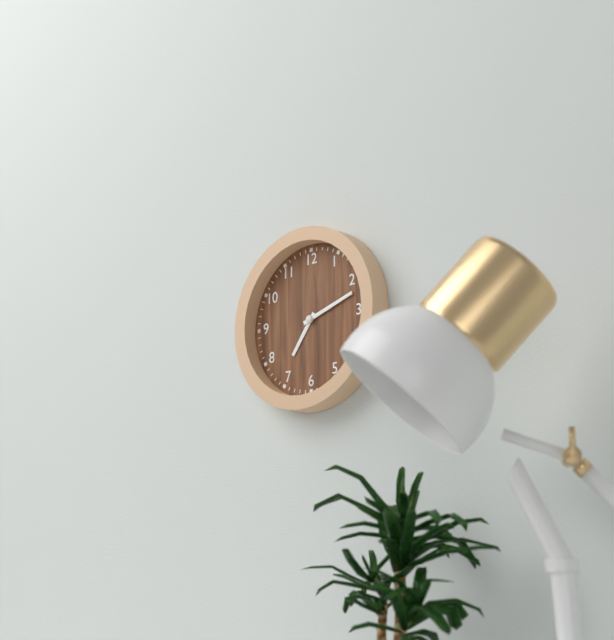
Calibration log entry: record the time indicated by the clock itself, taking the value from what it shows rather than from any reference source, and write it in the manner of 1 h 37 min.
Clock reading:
7 h 12 min
